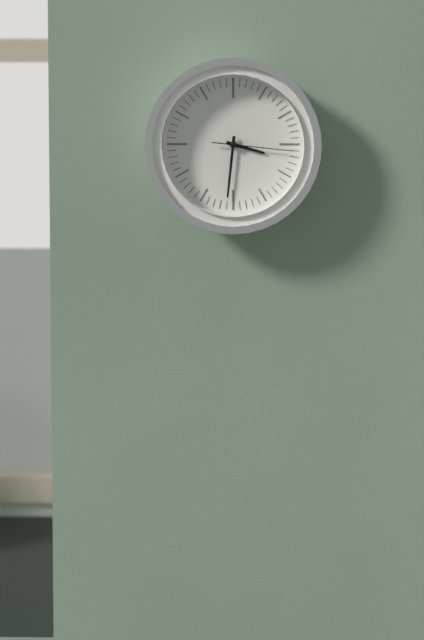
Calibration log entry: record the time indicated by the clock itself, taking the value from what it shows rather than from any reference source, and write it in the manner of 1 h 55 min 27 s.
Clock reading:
3 h 31 min 16 s
